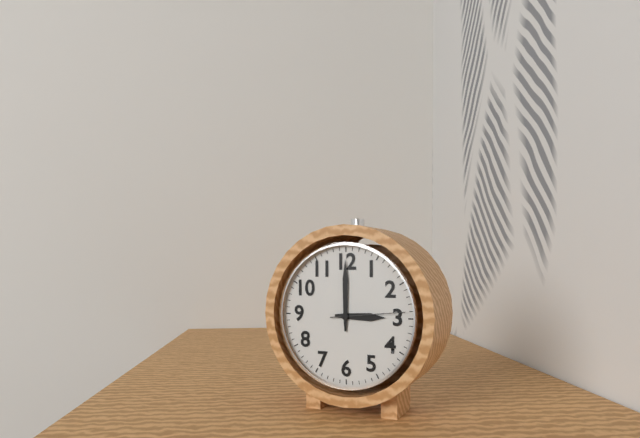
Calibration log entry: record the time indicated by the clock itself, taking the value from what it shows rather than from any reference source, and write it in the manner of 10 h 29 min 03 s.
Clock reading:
3 h 00 min 14 s
